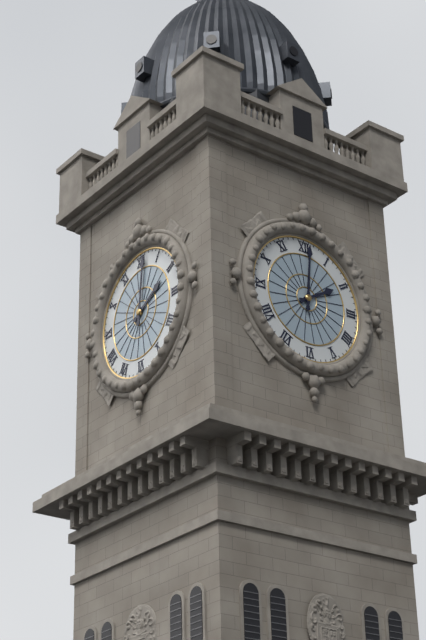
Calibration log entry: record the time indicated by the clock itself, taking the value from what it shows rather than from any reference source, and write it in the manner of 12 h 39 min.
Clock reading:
2 h 01 min
